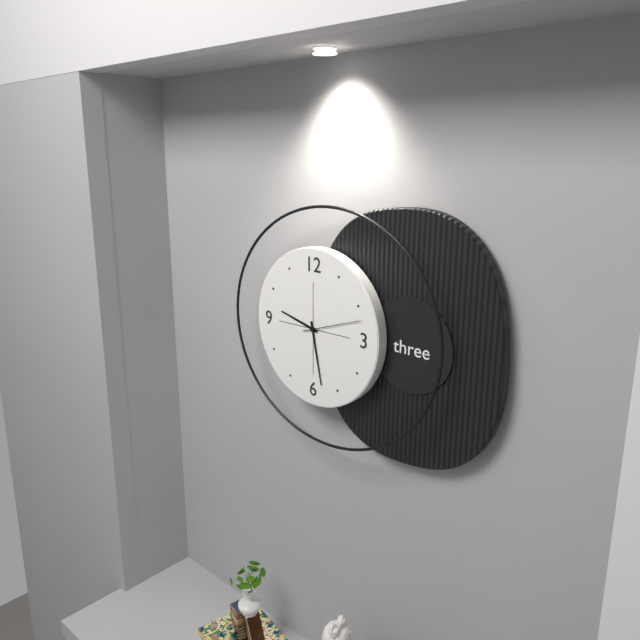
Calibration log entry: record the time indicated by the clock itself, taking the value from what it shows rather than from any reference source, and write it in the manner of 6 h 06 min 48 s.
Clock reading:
9 h 28 min 12 s
